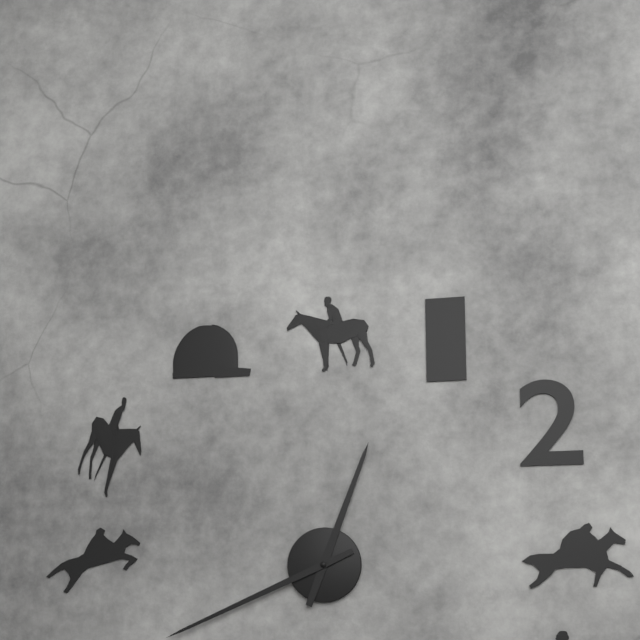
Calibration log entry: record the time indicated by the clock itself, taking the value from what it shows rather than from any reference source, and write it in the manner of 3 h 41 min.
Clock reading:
12 h 41 min
